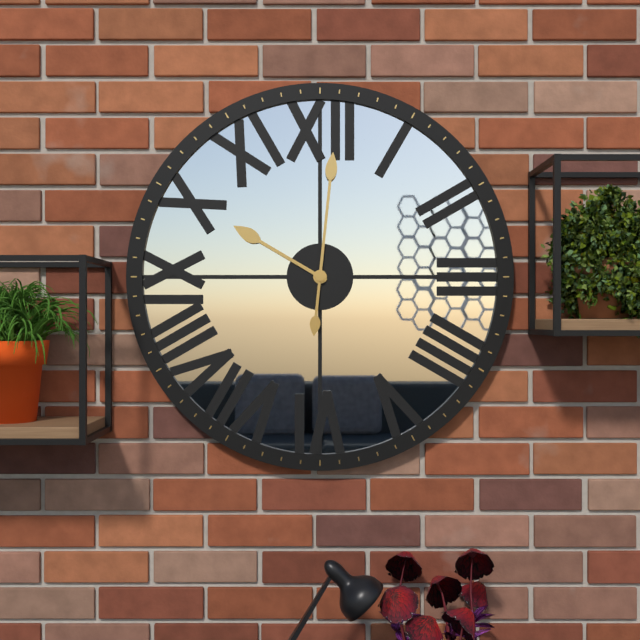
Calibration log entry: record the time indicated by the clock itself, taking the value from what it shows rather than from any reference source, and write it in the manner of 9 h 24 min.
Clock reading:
10 h 01 min
